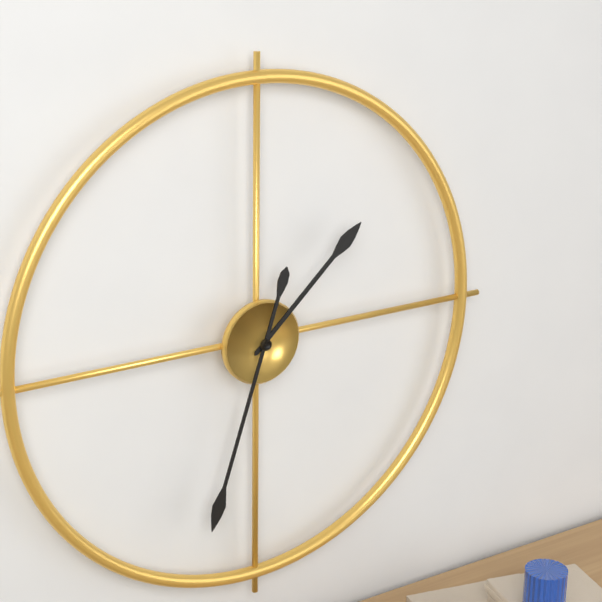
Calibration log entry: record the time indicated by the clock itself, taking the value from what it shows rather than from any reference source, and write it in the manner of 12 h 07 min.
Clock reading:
1 h 33 min
